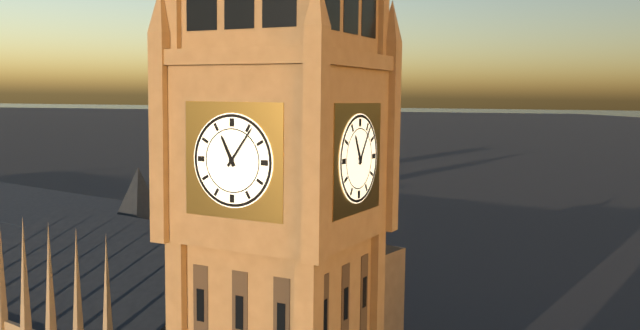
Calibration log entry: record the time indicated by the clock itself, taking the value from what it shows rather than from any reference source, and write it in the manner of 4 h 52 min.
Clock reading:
11 h 06 min
